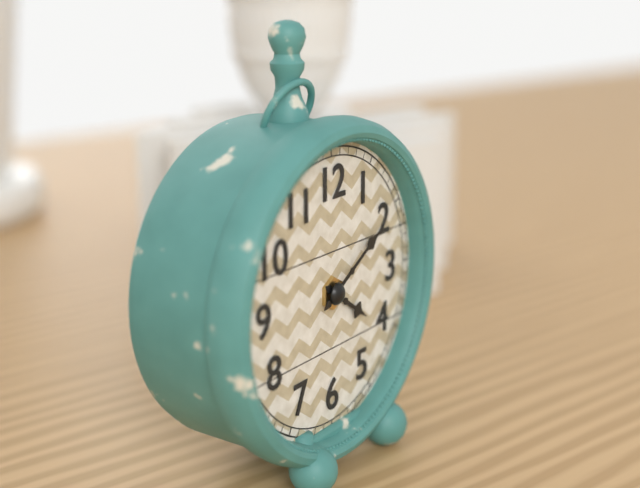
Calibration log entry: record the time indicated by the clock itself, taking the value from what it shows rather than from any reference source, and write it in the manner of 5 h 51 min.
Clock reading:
4 h 10 min
